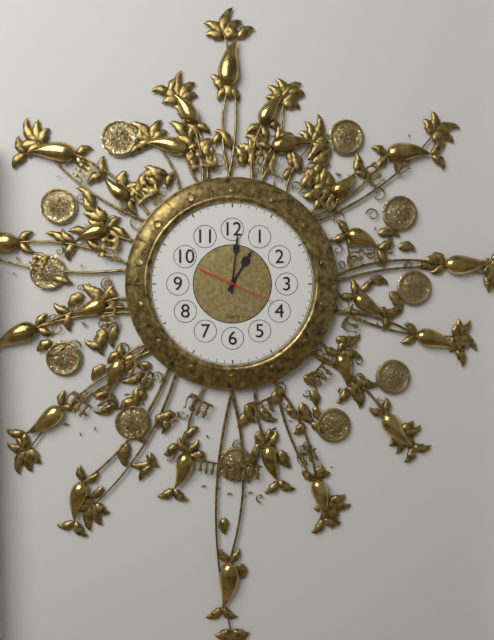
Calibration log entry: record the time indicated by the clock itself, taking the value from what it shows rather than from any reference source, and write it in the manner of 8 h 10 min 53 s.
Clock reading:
1 h 01 min 19 s
